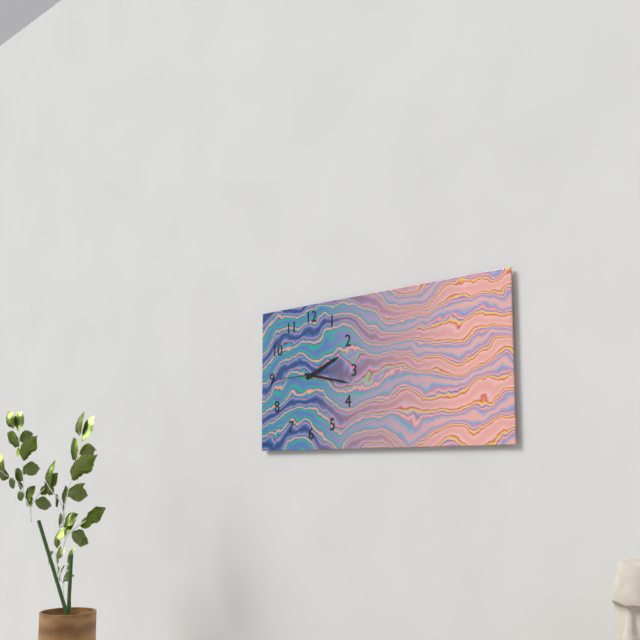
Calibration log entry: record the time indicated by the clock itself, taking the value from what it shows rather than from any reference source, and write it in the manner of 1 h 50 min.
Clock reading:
2 h 17 min
